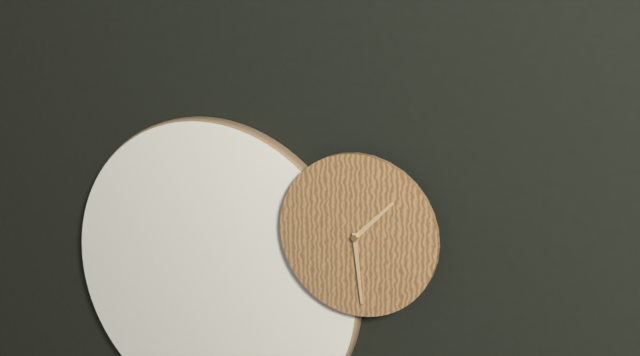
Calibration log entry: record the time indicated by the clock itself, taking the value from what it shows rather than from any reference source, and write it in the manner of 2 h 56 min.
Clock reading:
1 h 29 min
